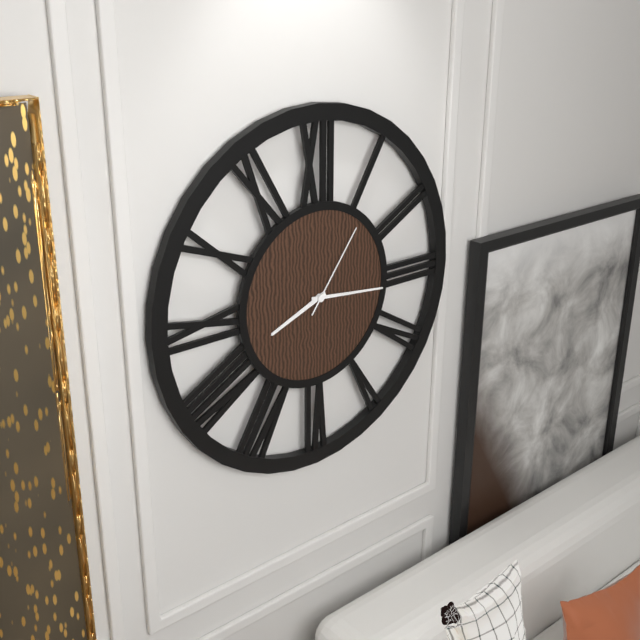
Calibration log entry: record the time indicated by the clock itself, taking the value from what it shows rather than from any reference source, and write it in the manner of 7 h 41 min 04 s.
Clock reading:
8 h 16 min 06 s
